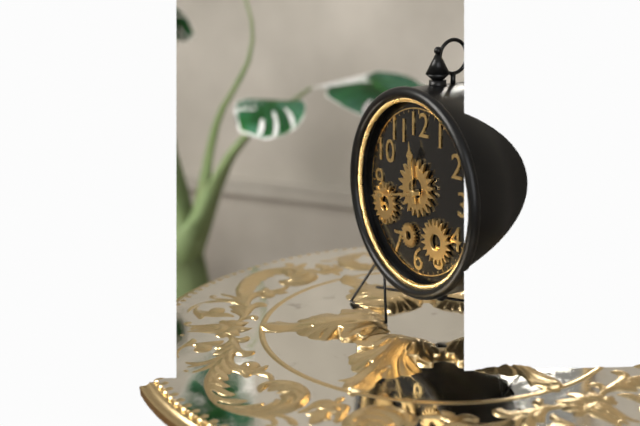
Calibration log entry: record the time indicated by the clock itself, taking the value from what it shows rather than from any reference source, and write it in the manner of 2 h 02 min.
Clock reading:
11 h 43 min
